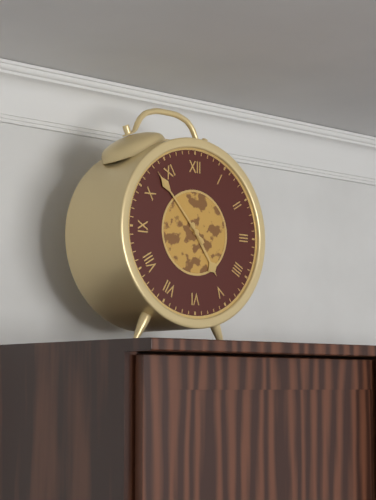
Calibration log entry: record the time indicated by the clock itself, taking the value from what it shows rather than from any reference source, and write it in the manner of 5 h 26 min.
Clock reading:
4 h 53 min
